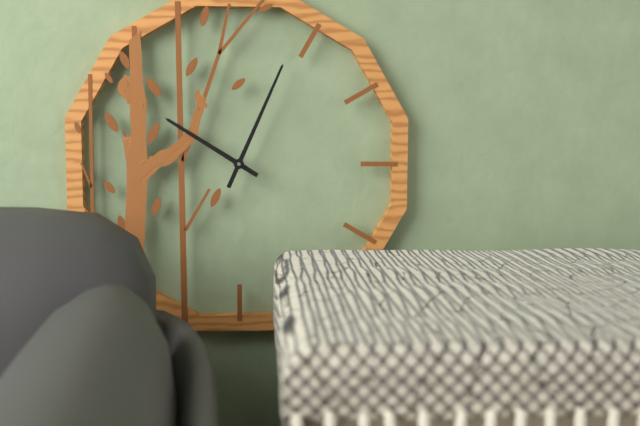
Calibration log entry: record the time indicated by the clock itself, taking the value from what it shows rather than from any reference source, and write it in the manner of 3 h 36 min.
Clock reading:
10 h 04 min
